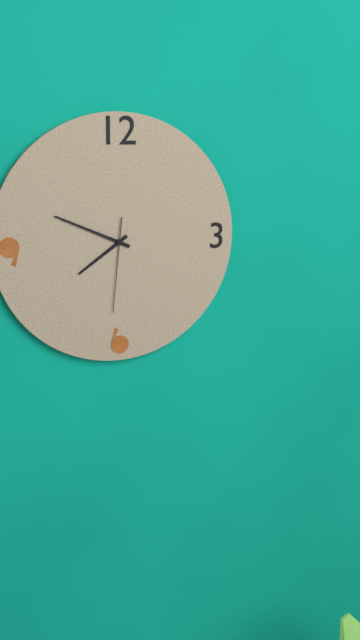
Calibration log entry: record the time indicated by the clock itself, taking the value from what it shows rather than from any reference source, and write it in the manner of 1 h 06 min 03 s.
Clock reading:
7 h 49 min 31 s
